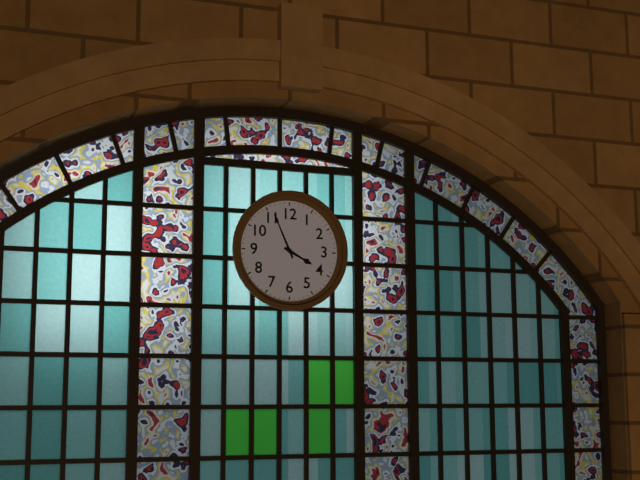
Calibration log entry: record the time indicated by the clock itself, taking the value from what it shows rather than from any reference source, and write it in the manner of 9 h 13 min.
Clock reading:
3 h 56 min
